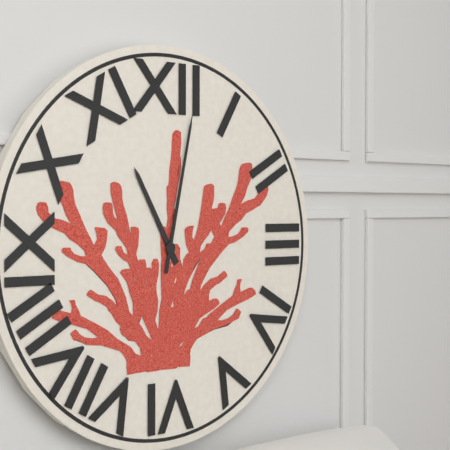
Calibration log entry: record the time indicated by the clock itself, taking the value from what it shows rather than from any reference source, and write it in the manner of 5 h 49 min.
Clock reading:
11 h 02 min
